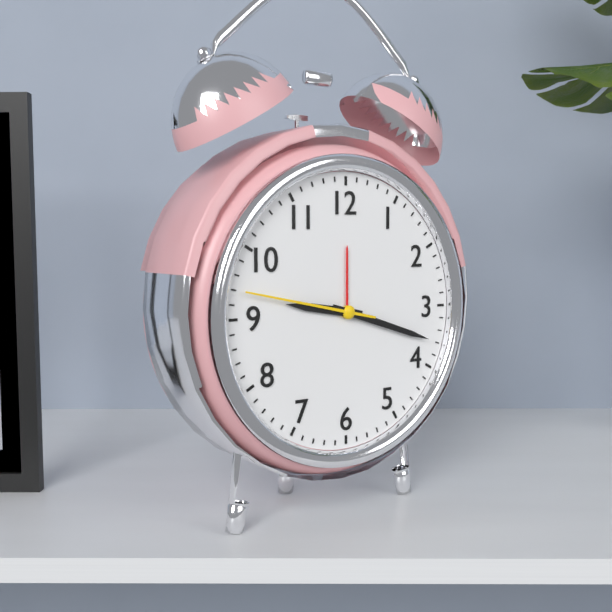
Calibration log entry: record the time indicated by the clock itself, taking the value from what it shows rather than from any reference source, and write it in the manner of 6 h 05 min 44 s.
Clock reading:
9 h 18 min 47 s
